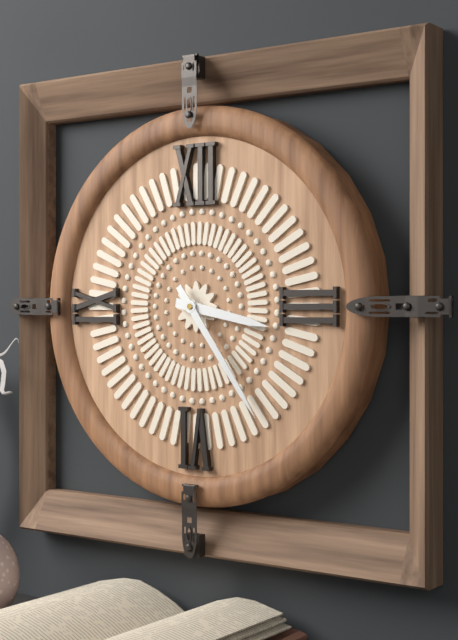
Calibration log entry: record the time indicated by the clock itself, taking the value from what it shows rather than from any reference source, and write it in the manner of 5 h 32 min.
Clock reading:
3 h 24 min
